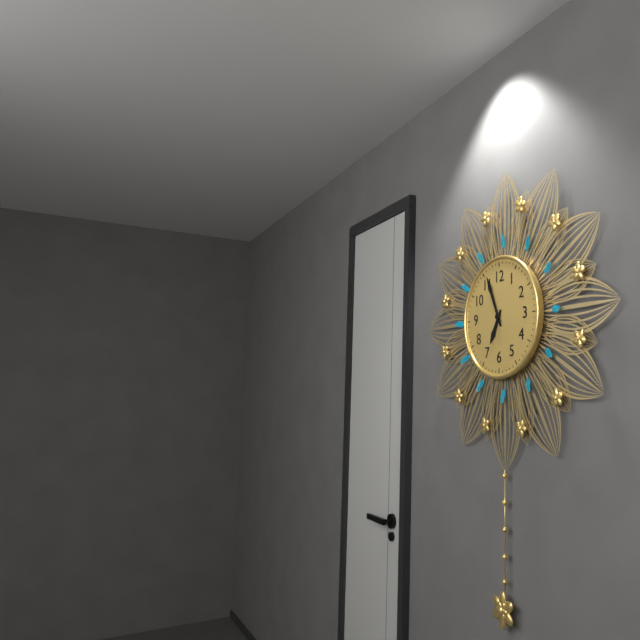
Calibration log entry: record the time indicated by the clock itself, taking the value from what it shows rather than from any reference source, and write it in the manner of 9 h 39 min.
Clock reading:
6 h 56 min
